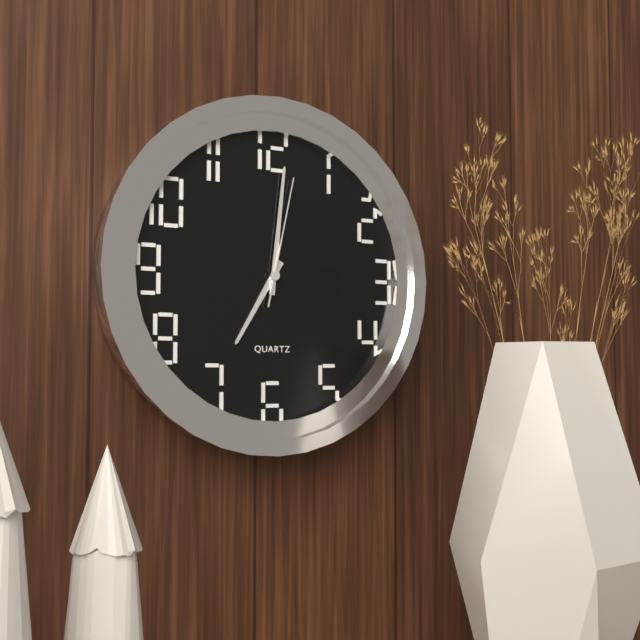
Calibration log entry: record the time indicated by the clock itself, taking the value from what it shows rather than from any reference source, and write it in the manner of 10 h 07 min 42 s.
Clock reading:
7 h 01 min 02 s
